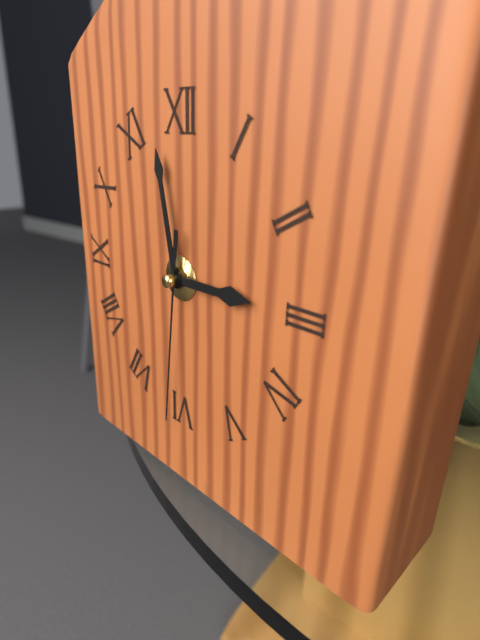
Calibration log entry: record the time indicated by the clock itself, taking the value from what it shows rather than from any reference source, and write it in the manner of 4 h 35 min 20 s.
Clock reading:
2 h 58 min 31 s
